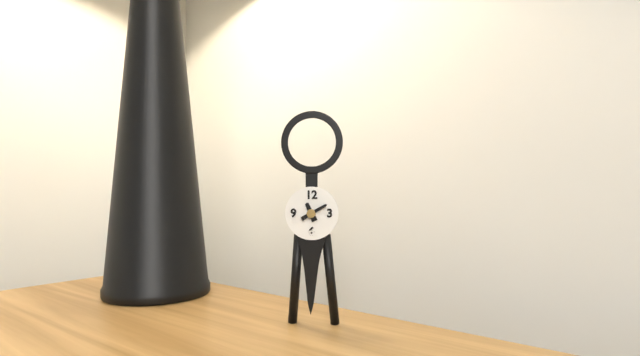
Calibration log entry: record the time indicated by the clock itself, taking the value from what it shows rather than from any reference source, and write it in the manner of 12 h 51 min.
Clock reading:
11 h 10 min
